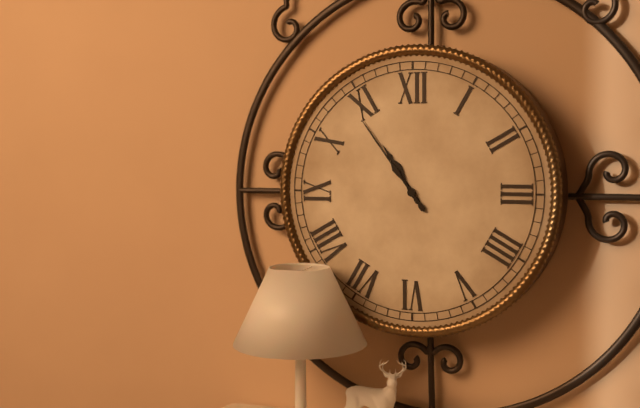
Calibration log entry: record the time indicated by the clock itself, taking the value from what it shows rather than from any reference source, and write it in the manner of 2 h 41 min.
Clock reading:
10 h 54 min
